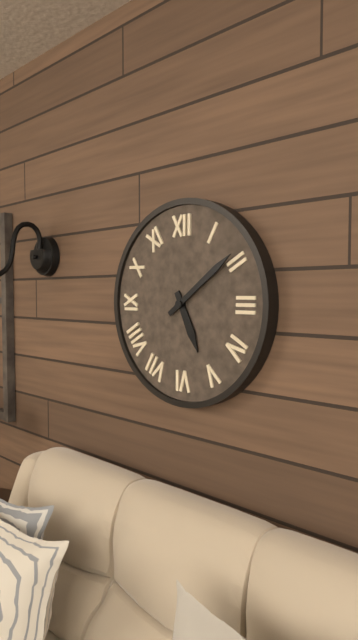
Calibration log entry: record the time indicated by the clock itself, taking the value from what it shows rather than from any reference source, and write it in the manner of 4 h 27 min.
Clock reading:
5 h 09 min
